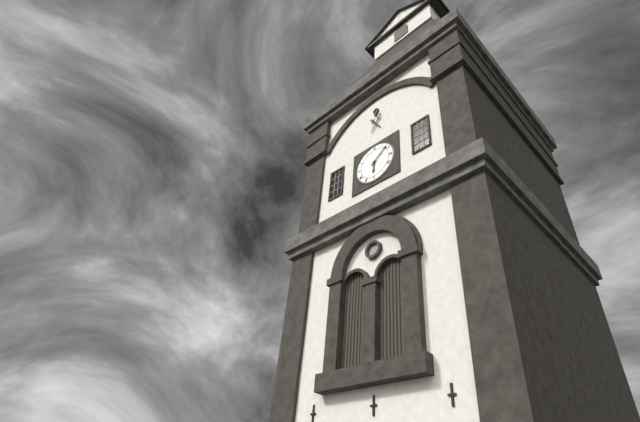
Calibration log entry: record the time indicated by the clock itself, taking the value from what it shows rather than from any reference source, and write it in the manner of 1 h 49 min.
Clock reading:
6 h 08 min
